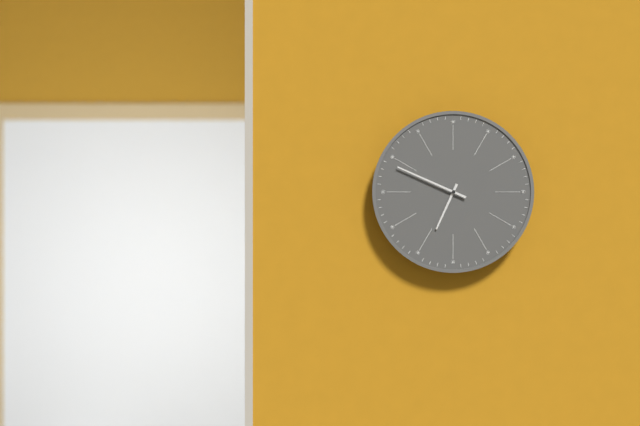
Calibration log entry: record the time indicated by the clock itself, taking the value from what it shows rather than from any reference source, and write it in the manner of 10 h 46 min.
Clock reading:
6 h 49 min
